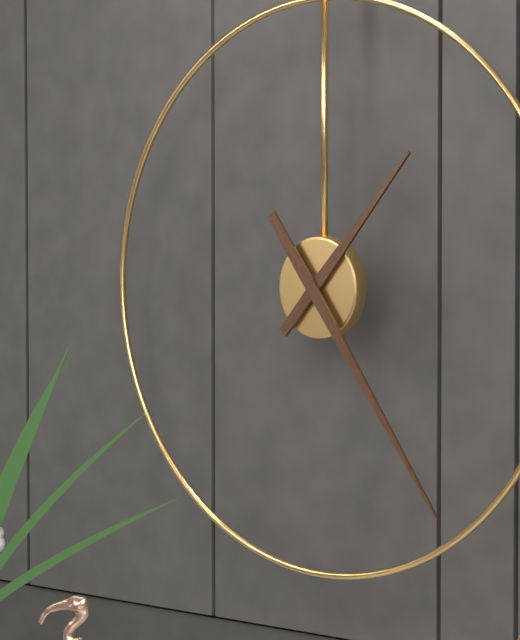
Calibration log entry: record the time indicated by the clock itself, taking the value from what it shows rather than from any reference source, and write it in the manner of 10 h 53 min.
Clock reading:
1 h 24 min
